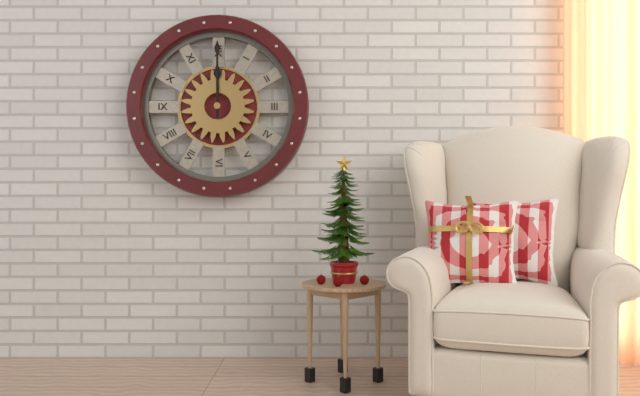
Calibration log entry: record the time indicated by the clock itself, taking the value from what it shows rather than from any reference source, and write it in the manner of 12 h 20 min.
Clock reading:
12 h 00 min
